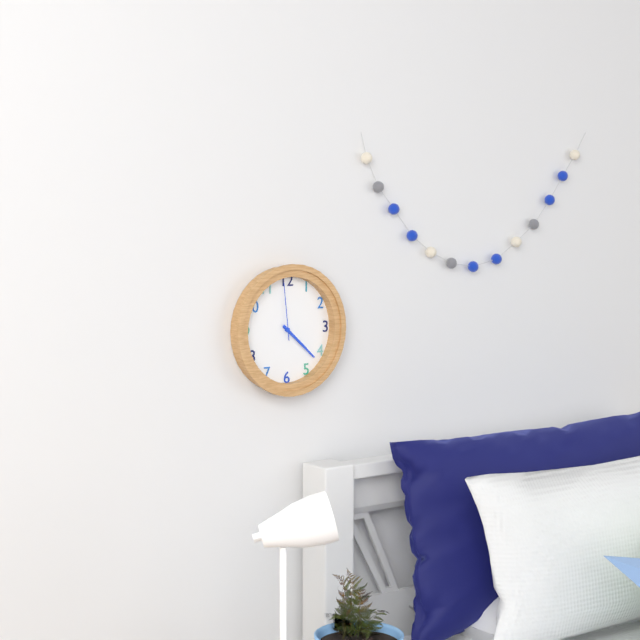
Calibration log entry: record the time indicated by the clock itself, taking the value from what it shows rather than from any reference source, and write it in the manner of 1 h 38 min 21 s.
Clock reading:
4 h 22 min 59 s
